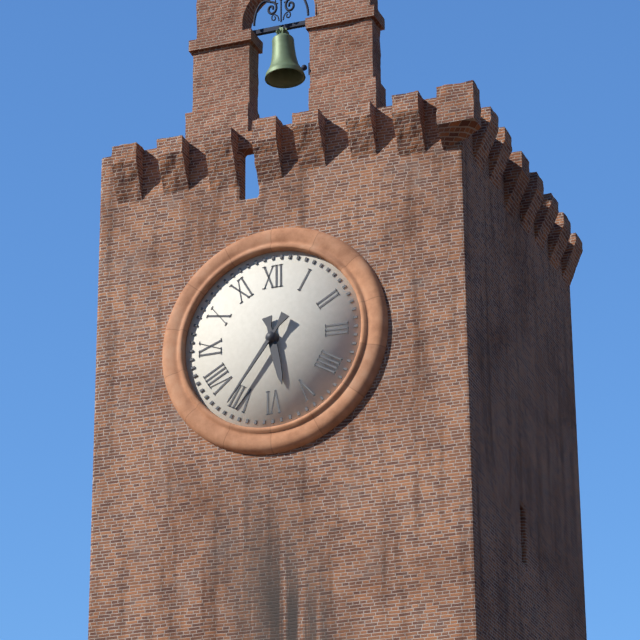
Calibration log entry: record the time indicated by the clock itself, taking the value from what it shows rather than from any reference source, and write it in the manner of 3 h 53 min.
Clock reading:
5 h 36 min
